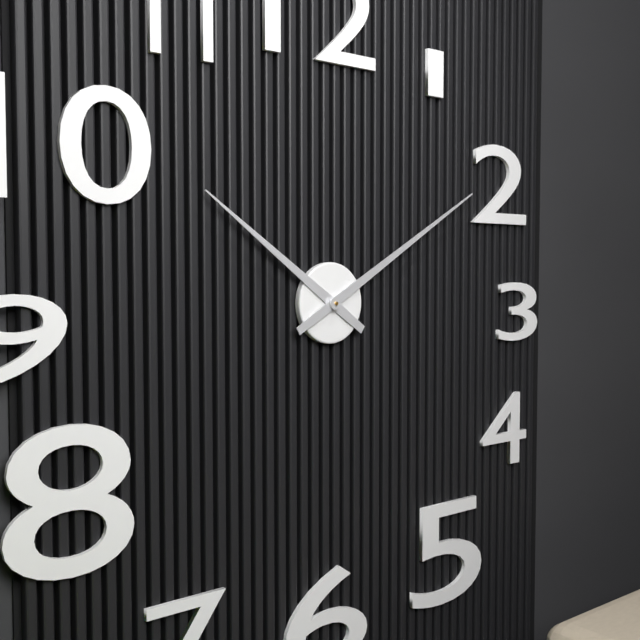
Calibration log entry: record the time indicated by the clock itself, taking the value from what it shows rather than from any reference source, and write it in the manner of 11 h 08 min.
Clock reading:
10 h 10 min
